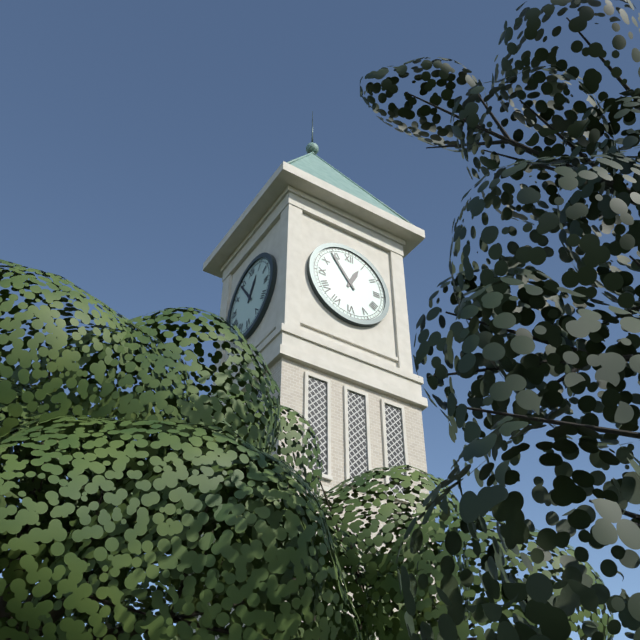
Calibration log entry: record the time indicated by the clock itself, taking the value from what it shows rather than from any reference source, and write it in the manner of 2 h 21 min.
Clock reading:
12 h 54 min
